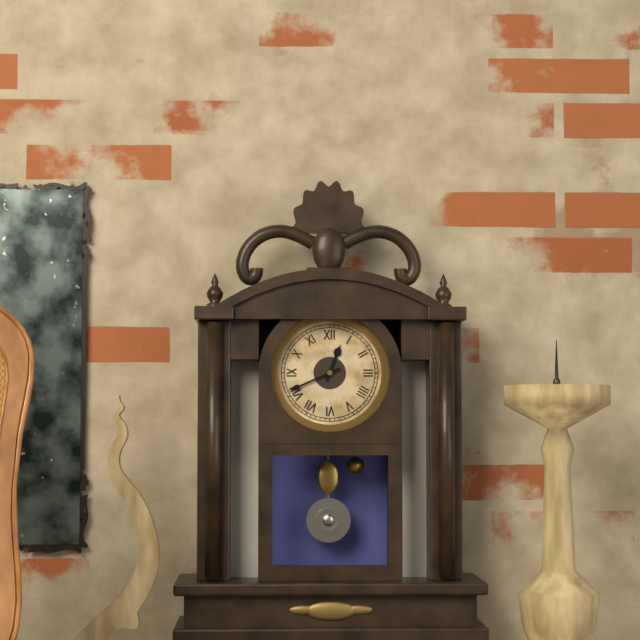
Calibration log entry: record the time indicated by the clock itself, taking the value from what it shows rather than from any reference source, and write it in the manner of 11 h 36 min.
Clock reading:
12 h 41 min
